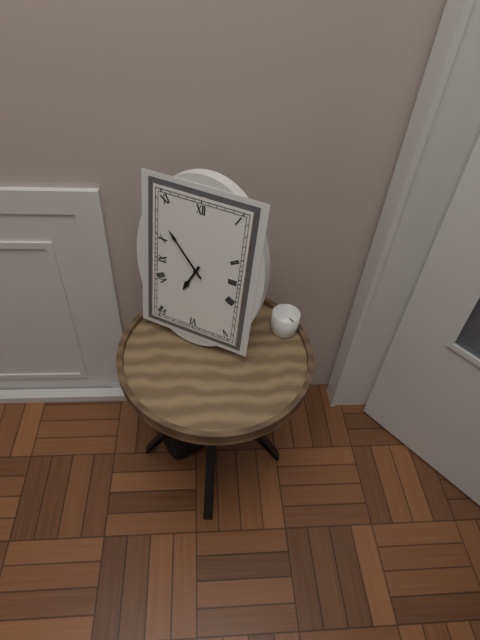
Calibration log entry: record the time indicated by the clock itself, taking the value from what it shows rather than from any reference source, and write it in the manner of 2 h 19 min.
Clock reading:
6 h 53 min
